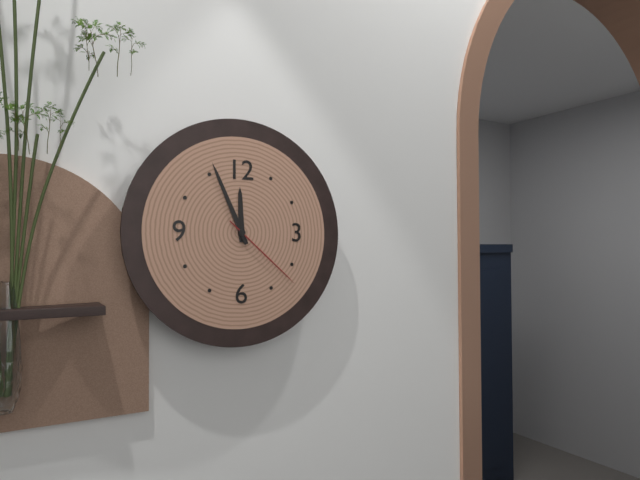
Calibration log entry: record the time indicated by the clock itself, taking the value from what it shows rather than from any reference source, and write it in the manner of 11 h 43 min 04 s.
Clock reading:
11 h 56 min 22 s
